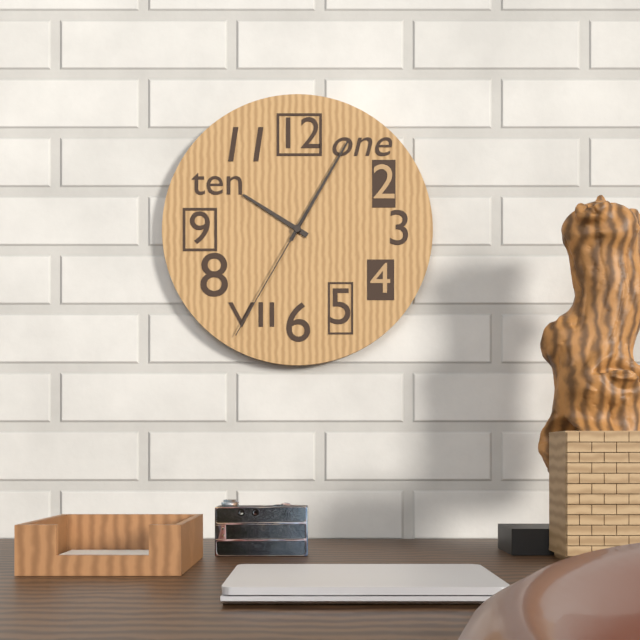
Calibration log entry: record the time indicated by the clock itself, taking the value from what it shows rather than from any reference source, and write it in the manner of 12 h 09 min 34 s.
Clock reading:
10 h 05 min 35 s
